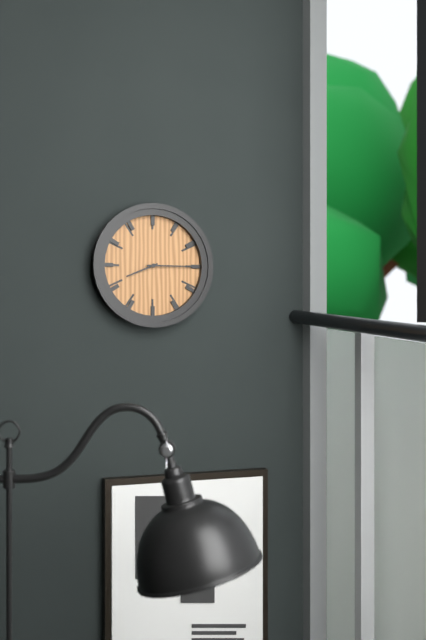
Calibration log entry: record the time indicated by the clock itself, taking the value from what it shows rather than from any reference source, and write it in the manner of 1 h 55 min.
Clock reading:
8 h 15 min
